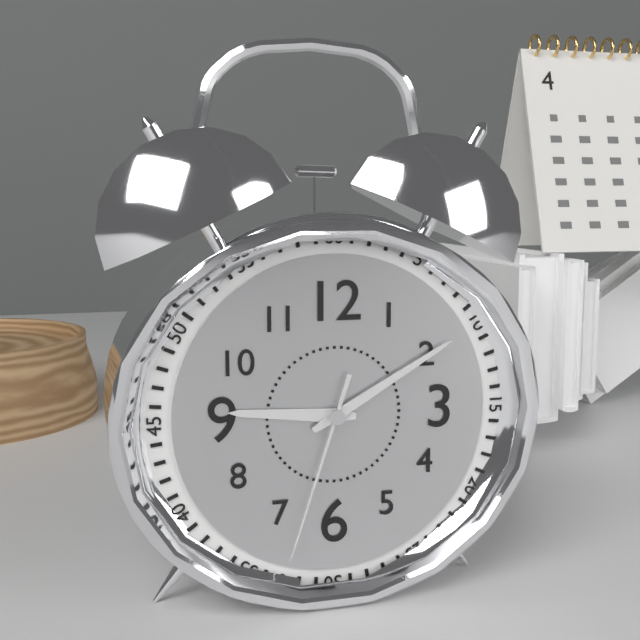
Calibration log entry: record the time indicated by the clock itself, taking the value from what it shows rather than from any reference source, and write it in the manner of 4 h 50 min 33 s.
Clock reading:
9 h 10 min 33 s
